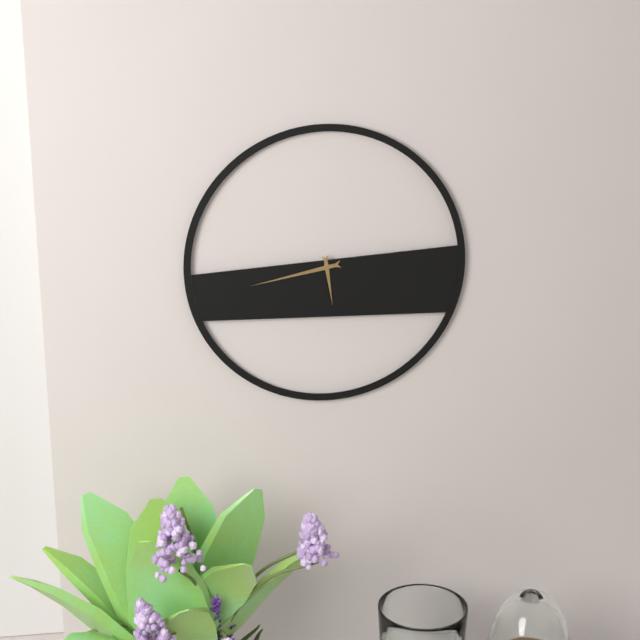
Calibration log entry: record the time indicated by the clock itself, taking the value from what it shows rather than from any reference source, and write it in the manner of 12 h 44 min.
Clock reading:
5 h 43 min
